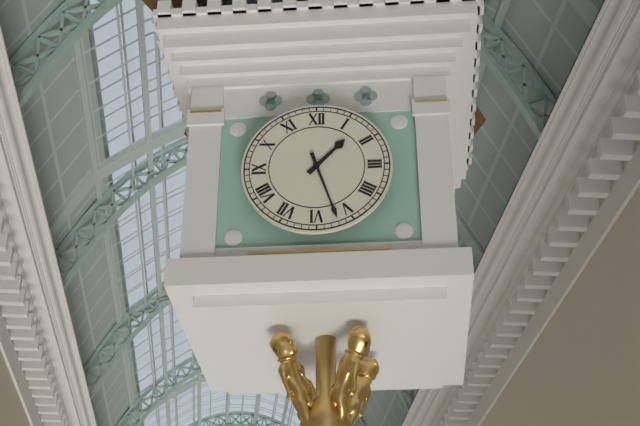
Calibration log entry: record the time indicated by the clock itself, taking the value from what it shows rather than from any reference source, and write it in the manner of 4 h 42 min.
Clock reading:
1 h 27 min
